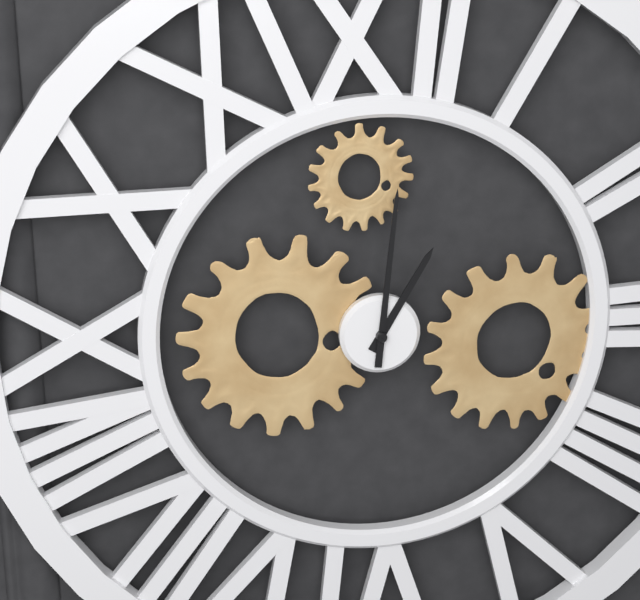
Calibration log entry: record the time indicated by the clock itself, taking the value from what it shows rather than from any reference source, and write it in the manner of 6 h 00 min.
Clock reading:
1 h 01 min
